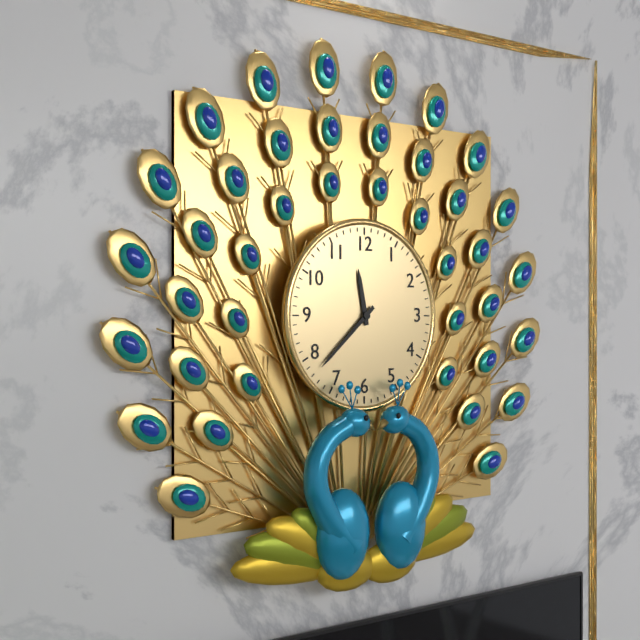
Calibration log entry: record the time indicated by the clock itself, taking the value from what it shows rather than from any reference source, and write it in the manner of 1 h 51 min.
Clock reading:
11 h 38 min
